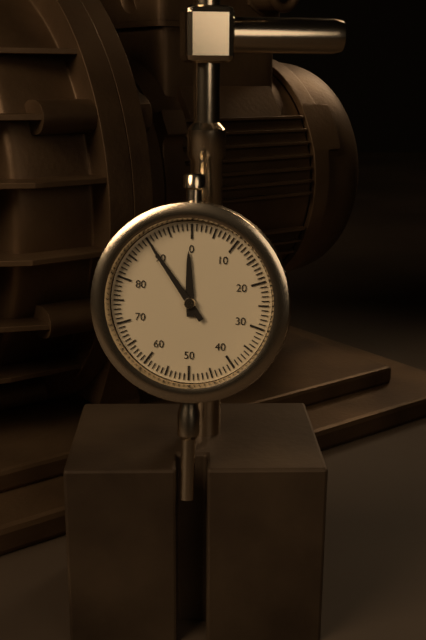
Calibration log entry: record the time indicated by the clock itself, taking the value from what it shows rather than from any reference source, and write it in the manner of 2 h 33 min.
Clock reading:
11 h 54 min
